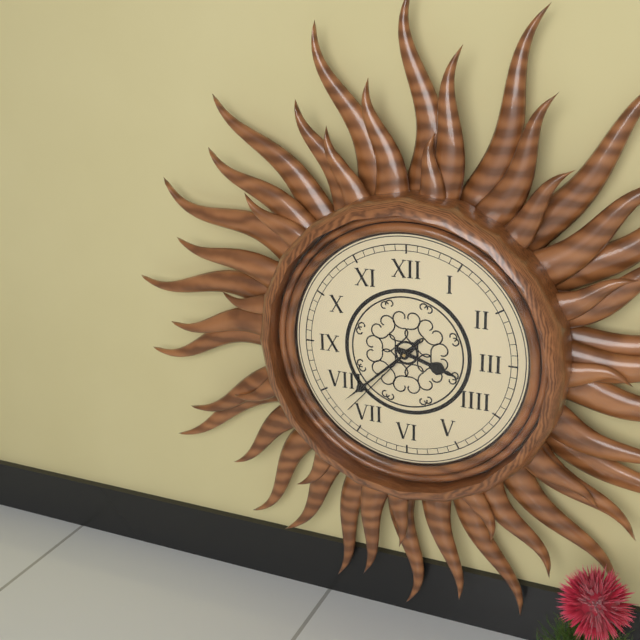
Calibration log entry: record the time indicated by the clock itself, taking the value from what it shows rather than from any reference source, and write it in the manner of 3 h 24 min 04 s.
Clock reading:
3 h 38 min 37 s
